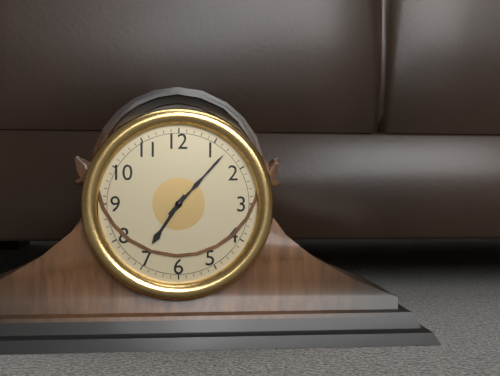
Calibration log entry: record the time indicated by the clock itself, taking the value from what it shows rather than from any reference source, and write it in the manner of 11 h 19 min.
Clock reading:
7 h 07 min
